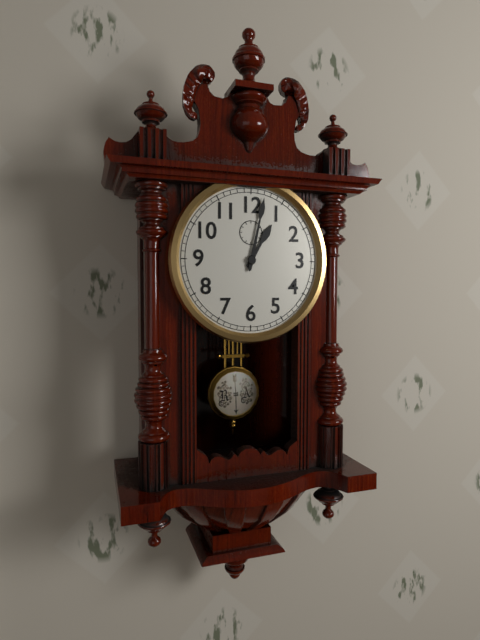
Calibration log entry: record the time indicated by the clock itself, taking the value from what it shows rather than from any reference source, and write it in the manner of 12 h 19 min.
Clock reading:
1 h 02 min
